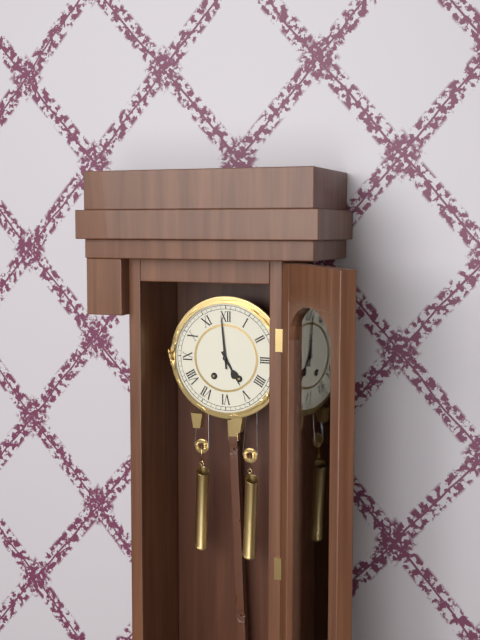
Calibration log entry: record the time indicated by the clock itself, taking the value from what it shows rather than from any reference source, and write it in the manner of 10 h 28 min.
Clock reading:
4 h 59 min
